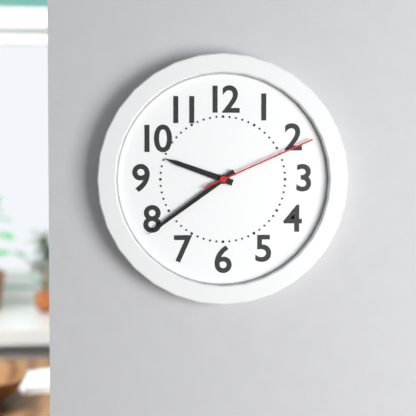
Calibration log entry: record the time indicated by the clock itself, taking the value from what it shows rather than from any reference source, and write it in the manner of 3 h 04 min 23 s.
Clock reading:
9 h 39 min 11 s
